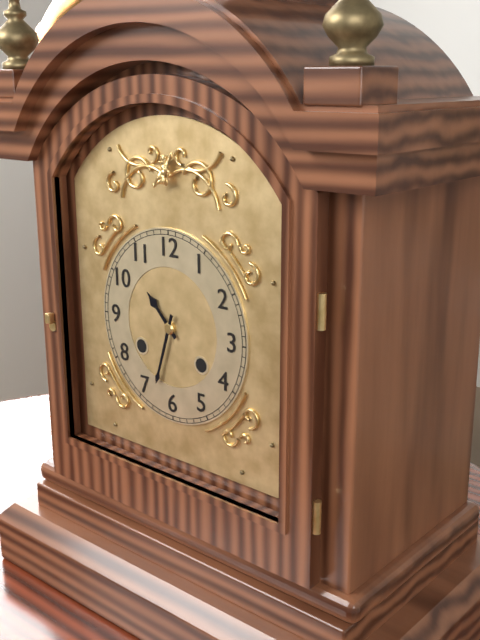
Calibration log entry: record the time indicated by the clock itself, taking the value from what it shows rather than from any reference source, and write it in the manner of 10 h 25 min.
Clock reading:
10 h 33 min
